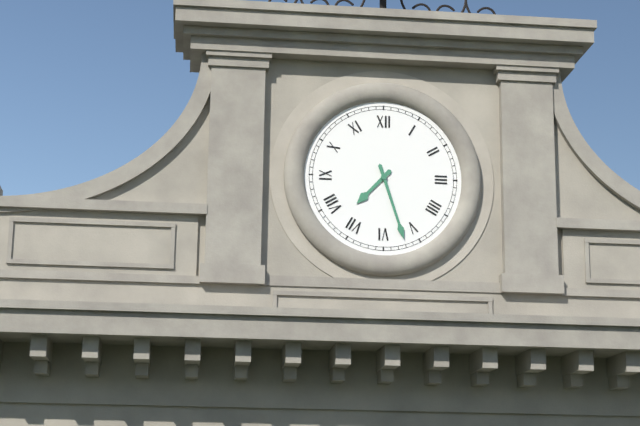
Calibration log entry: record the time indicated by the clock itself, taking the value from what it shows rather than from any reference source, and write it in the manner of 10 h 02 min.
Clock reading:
7 h 27 min
